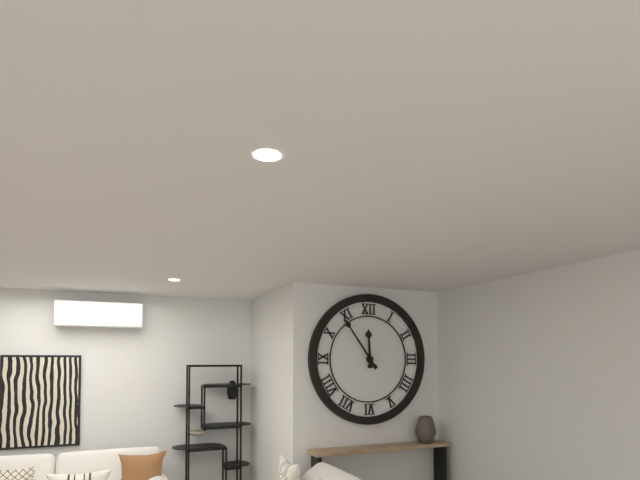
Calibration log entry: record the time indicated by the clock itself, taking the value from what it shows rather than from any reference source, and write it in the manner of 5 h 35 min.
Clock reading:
11 h 54 min
